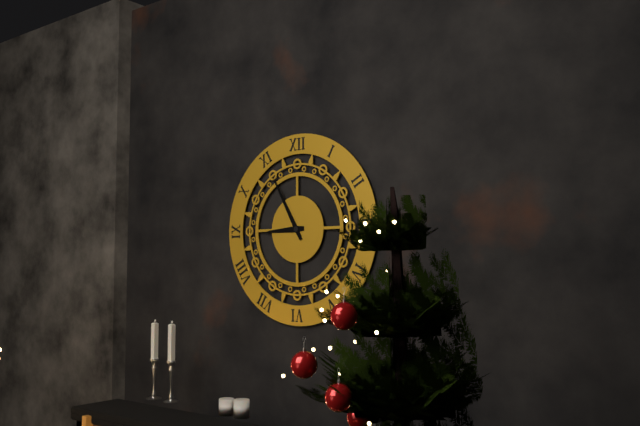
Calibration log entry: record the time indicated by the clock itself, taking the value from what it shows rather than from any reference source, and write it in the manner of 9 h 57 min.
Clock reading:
8 h 55 min
